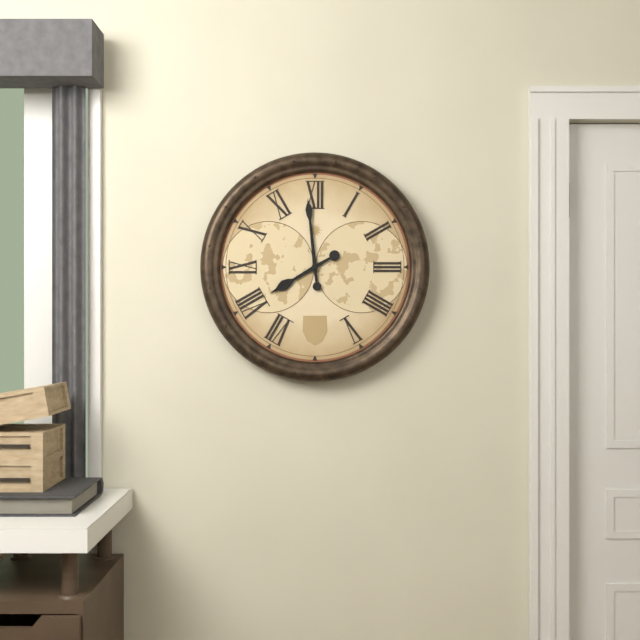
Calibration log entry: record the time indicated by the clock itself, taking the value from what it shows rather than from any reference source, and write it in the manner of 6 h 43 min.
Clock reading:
7 h 59 min
